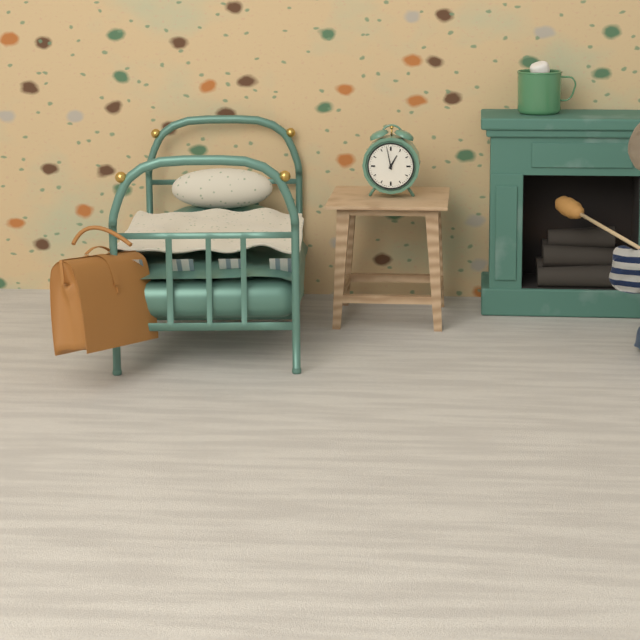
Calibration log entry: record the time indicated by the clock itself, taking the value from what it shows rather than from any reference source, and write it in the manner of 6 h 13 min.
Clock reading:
12 h 58 min
